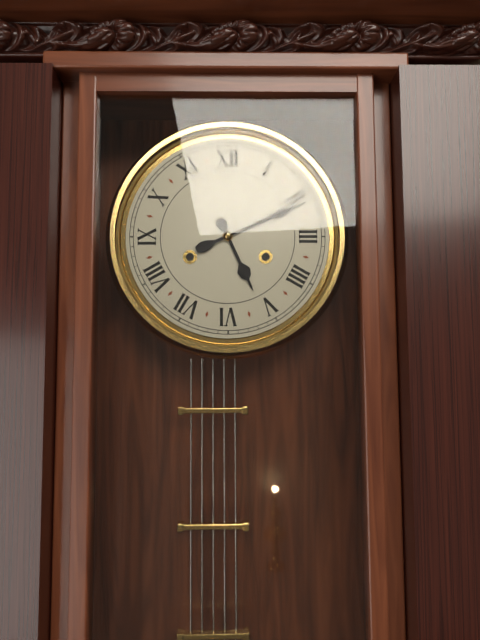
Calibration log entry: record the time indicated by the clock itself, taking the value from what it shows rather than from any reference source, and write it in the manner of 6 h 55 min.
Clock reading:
5 h 11 min
